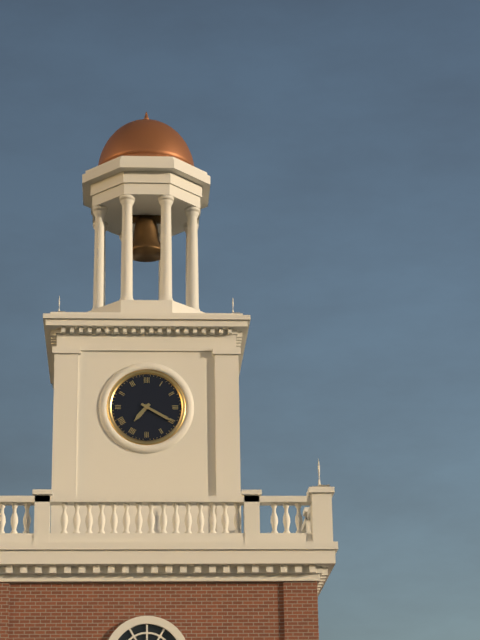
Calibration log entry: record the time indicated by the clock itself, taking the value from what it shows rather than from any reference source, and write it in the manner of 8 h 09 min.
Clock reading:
7 h 20 min
